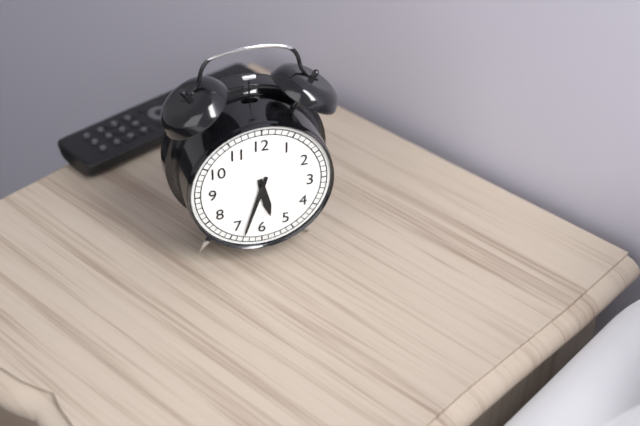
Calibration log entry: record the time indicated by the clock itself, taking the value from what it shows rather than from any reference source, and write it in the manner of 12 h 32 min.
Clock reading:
5 h 33 min
